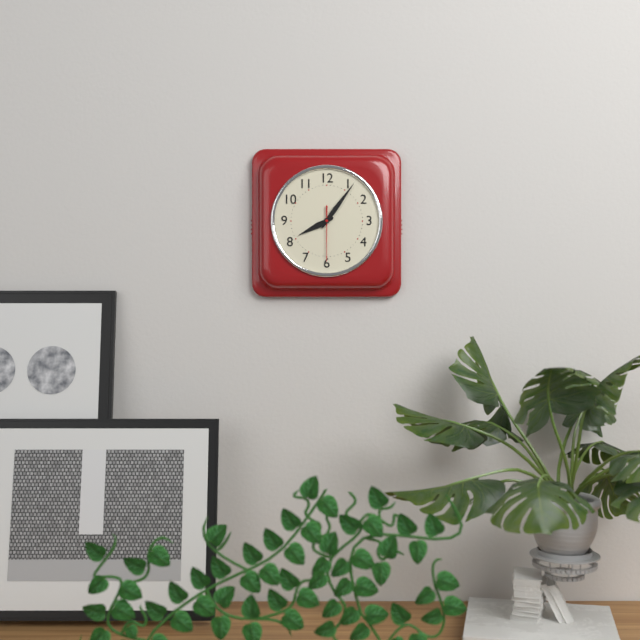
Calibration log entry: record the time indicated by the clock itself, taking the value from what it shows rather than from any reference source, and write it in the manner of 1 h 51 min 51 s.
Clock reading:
8 h 06 min 30 s
